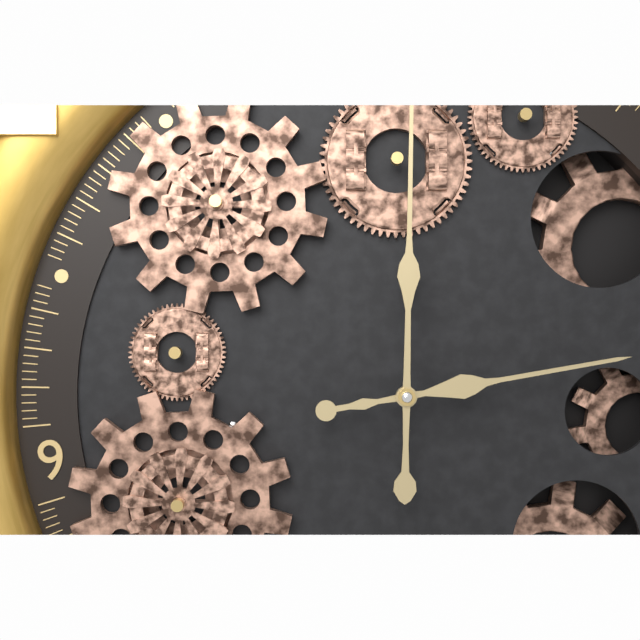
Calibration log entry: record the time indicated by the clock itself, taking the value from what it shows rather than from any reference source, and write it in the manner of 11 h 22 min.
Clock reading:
3 h 02 min
